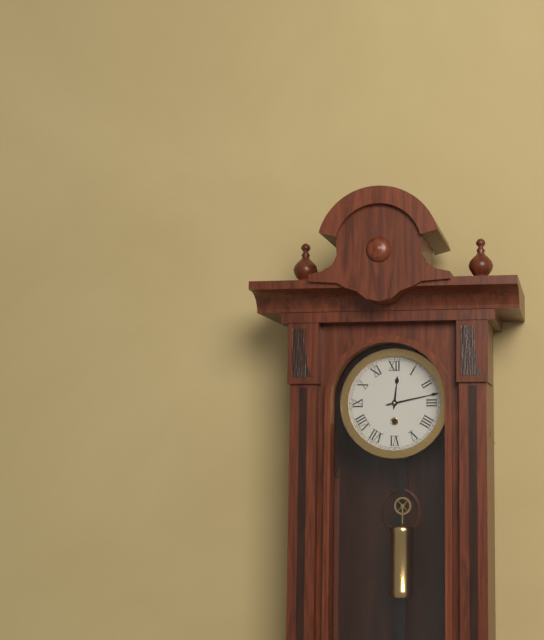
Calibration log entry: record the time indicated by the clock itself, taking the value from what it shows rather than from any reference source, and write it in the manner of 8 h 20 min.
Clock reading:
12 h 13 min
